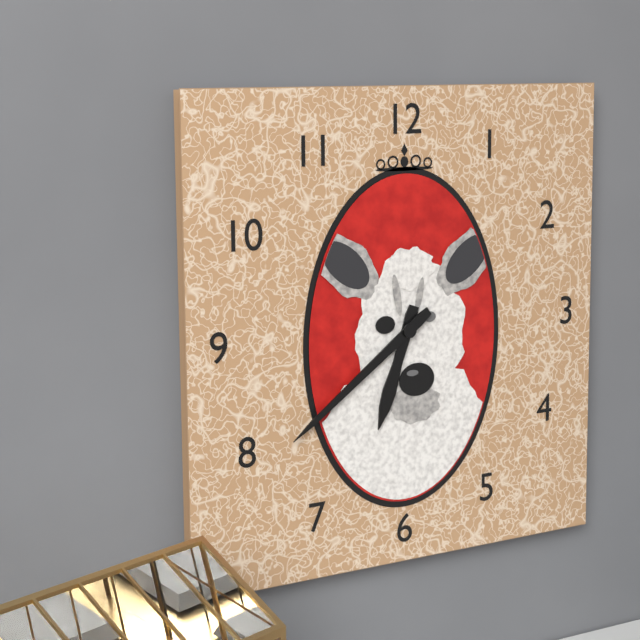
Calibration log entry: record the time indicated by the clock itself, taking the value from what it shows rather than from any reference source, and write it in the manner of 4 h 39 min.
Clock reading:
6 h 39 min
